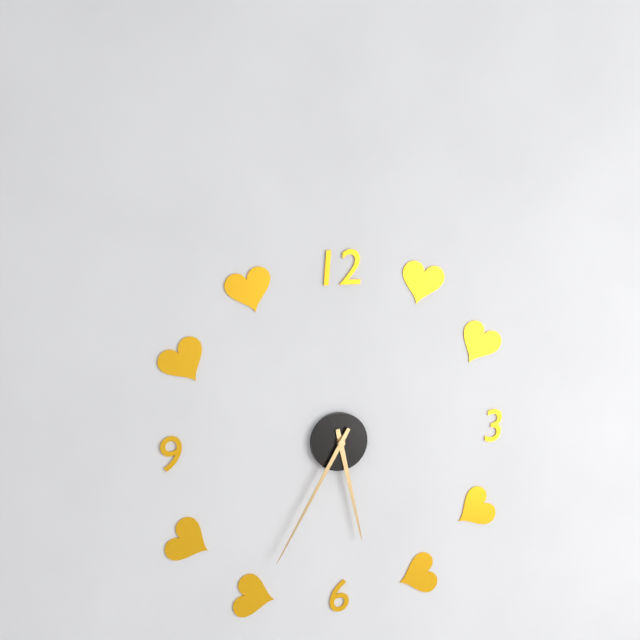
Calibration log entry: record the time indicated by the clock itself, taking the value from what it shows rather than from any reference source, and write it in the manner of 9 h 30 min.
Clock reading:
5 h 35 min
